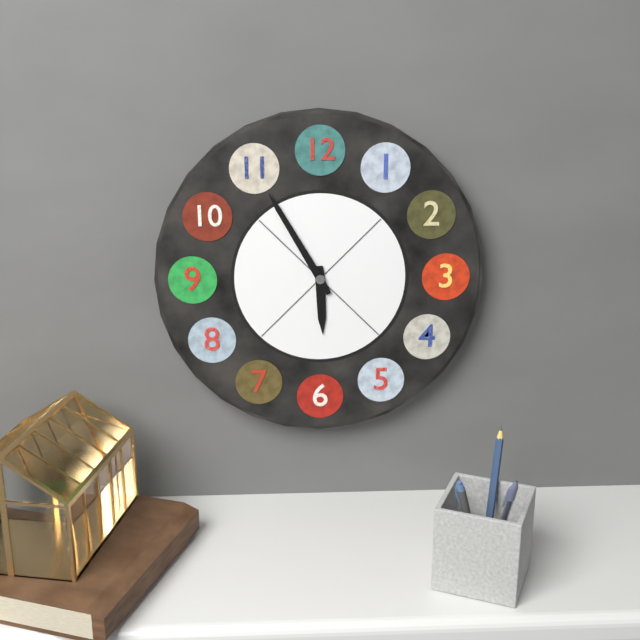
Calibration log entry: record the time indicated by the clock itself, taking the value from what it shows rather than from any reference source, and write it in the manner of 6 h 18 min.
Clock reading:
5 h 55 min
